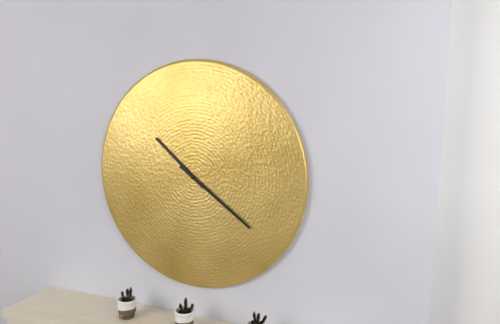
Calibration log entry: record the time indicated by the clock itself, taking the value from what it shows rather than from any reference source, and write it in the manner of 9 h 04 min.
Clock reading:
10 h 21 min
